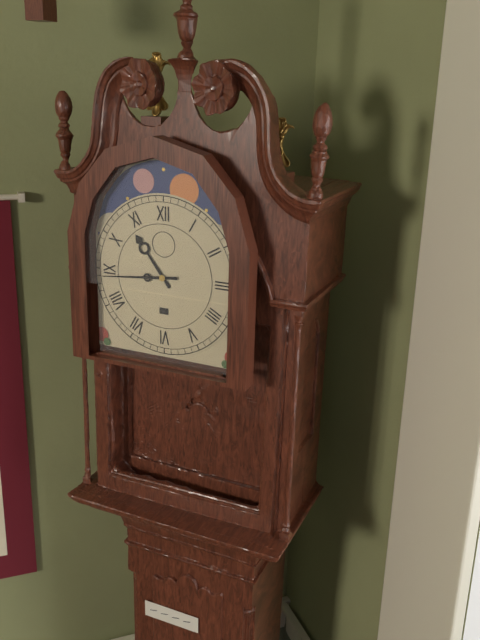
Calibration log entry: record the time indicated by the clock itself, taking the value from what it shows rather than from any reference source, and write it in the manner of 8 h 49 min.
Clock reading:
10 h 44 min
